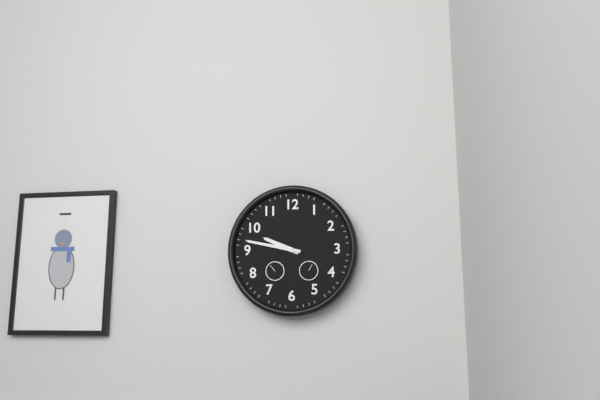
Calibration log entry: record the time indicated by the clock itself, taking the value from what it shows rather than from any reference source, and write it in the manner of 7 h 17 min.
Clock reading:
9 h 47 min
